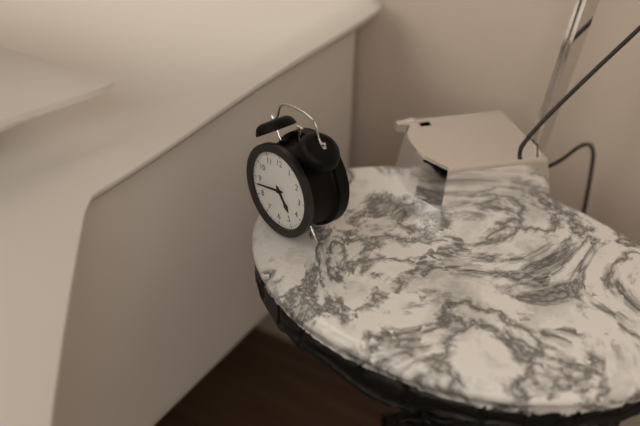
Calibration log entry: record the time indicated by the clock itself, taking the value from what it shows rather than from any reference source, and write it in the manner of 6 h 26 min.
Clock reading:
4 h 43 min
